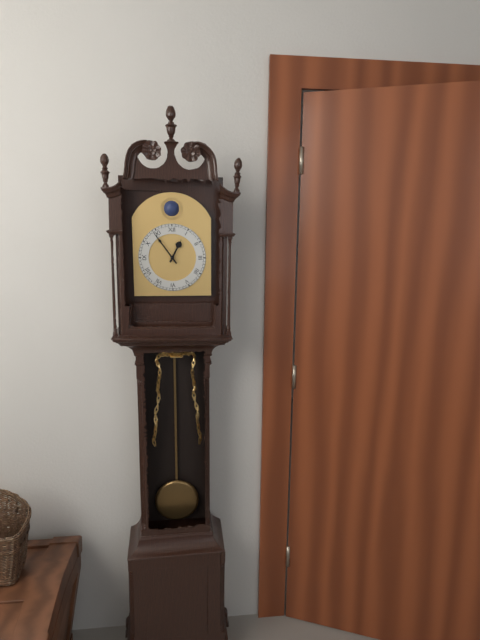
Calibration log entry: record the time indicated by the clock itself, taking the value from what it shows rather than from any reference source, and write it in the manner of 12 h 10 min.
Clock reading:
12 h 54 min
